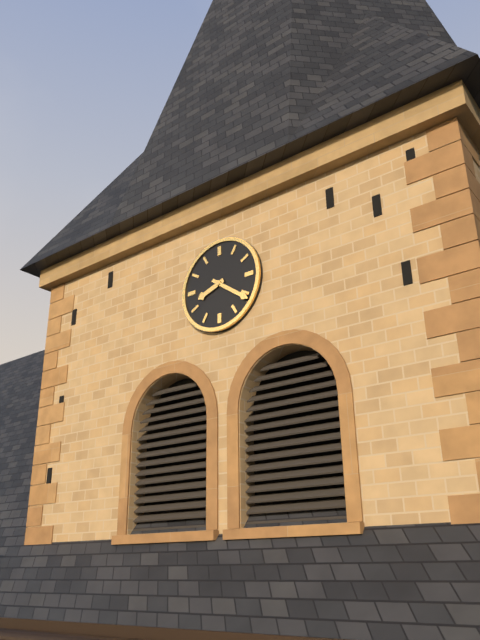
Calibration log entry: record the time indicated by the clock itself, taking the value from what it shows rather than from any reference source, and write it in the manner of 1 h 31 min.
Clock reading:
8 h 21 min
